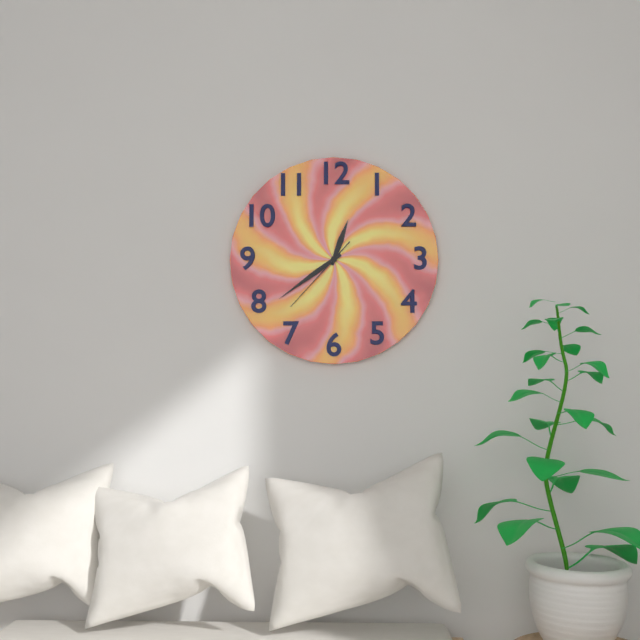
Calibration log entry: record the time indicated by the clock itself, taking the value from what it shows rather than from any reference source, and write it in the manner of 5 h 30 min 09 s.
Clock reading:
12 h 39 min 37 s
